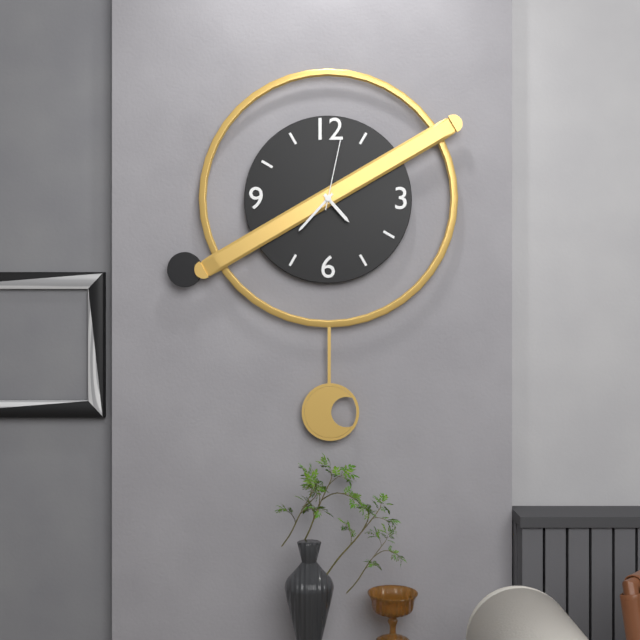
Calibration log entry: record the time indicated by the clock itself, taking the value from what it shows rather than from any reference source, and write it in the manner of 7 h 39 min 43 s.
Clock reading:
4 h 37 min 02 s
